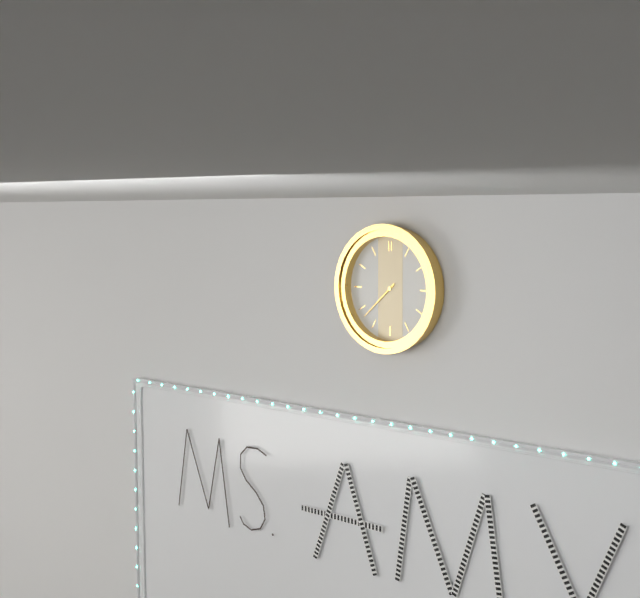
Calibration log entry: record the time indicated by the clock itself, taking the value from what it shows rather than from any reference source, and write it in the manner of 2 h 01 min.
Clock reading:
7 h 38 min
